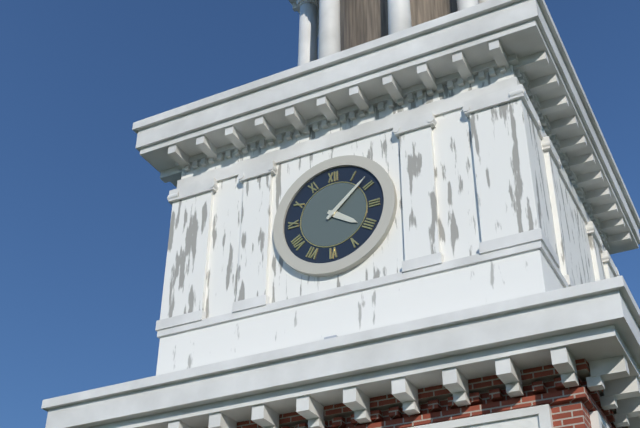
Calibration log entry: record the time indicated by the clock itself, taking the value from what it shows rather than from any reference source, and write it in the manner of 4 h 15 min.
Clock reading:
4 h 08 min
